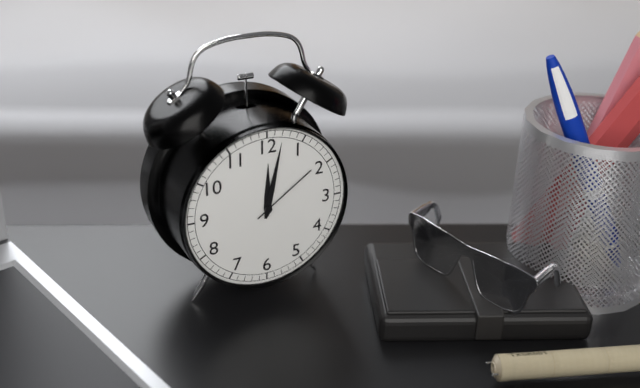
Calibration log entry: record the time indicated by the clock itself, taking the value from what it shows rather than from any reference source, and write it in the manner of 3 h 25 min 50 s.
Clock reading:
12 h 02 min 09 s
